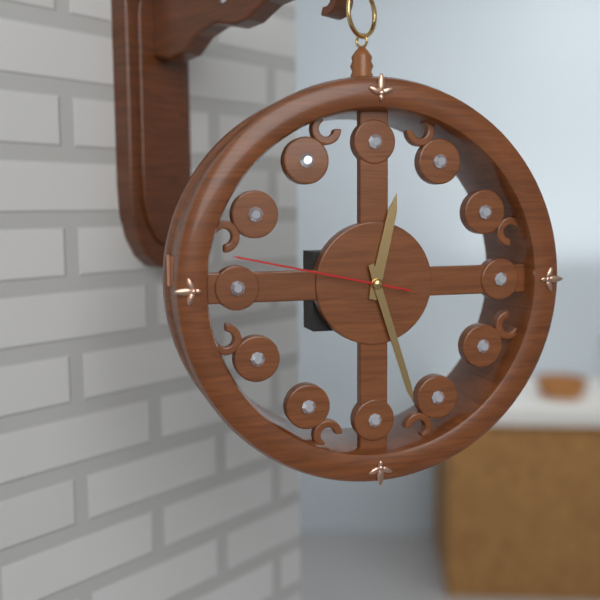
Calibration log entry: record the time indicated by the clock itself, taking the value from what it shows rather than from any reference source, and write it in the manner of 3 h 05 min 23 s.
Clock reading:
12 h 27 min 47 s
